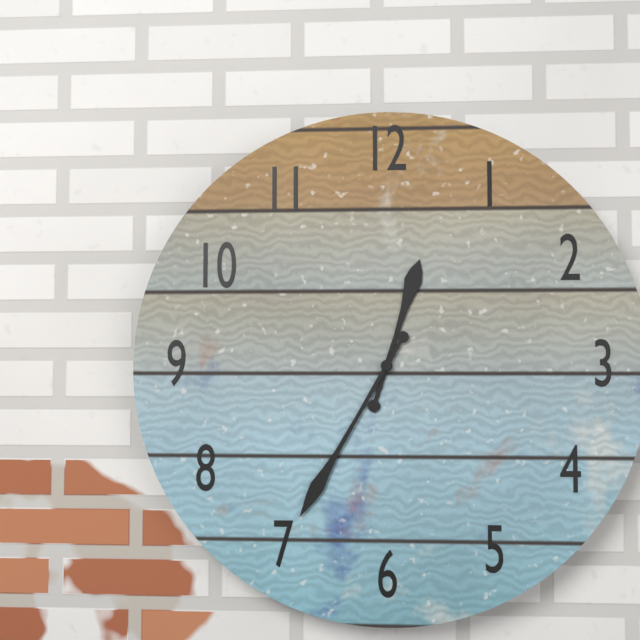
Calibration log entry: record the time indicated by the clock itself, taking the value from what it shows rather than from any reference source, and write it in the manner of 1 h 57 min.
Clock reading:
12 h 35 min
